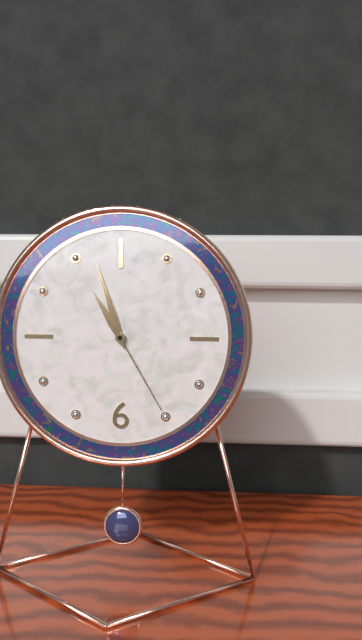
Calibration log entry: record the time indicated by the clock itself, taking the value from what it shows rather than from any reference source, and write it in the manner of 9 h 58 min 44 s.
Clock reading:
10 h 57 min 25 s
